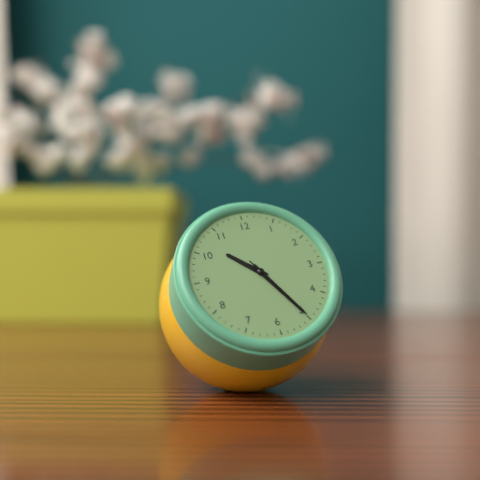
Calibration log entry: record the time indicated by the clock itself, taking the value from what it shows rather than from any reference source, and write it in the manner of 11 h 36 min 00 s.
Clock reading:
10 h 25 min 25 s
